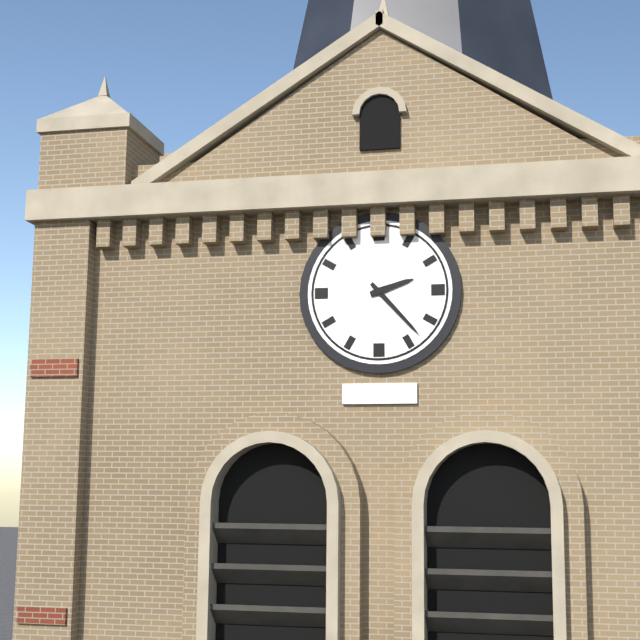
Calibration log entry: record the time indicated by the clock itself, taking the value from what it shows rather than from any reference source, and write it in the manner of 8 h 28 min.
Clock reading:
2 h 23 min
